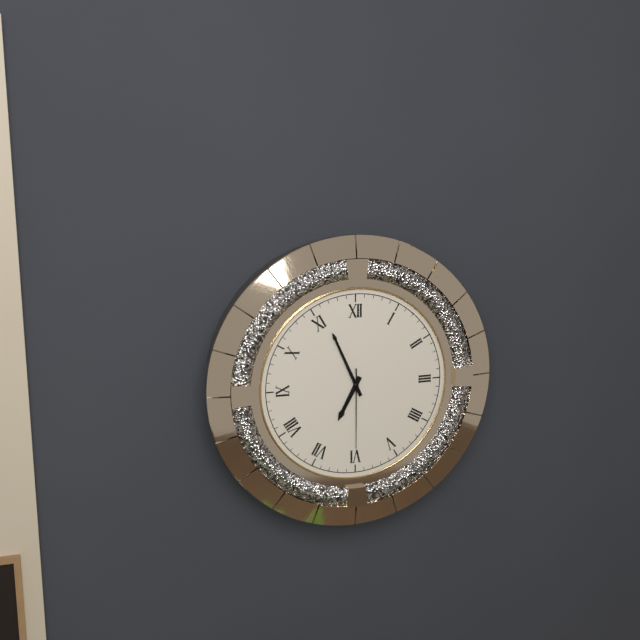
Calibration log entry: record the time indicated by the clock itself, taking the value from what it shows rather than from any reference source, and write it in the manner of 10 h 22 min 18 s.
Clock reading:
6 h 56 min 30 s
